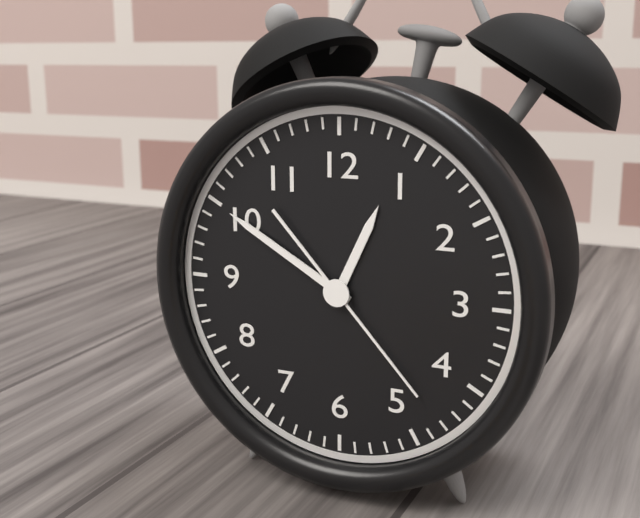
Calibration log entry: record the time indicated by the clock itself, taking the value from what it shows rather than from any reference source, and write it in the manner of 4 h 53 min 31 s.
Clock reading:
12 h 50 min 23 s
